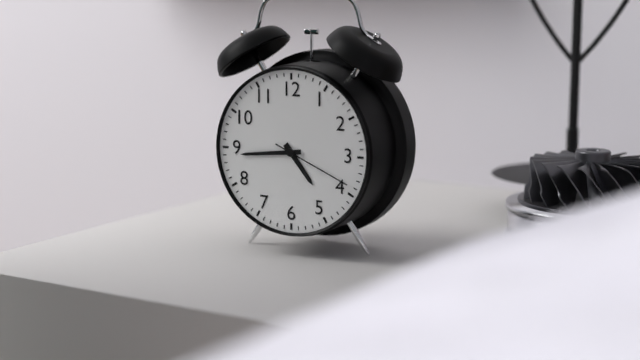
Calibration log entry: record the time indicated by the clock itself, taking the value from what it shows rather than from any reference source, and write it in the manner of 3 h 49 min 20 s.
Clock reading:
4 h 44 min 19 s
